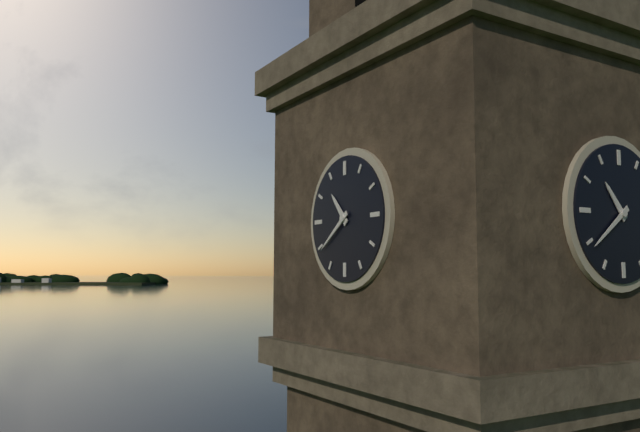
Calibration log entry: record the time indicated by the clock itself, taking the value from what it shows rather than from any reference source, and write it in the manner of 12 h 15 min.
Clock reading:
10 h 39 min
